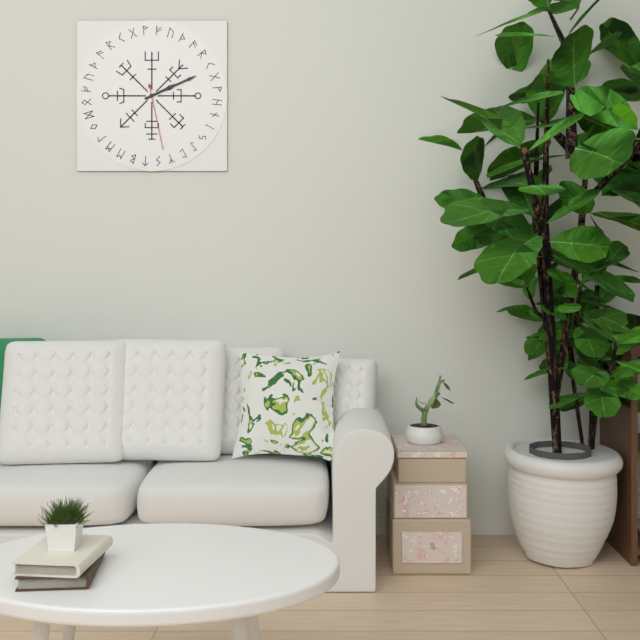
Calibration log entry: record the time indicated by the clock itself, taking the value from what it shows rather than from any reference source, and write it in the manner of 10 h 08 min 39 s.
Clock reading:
2 h 11 min 28 s
